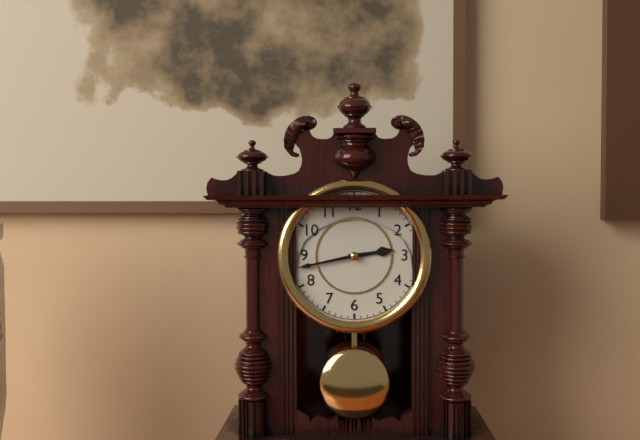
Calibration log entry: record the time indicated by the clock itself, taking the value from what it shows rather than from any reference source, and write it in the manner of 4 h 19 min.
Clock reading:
2 h 43 min
